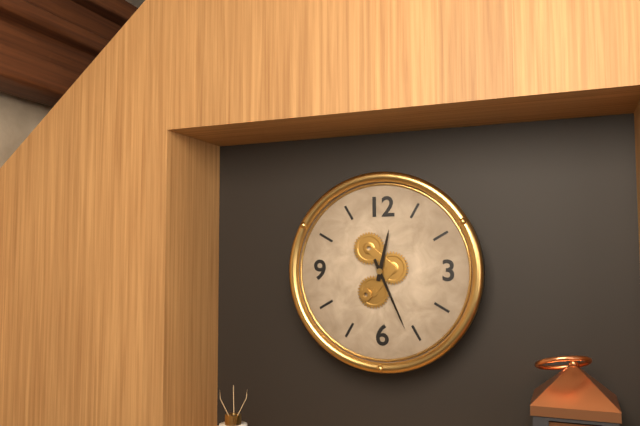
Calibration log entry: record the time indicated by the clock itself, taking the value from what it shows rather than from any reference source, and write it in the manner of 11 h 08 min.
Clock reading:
12 h 26 min
